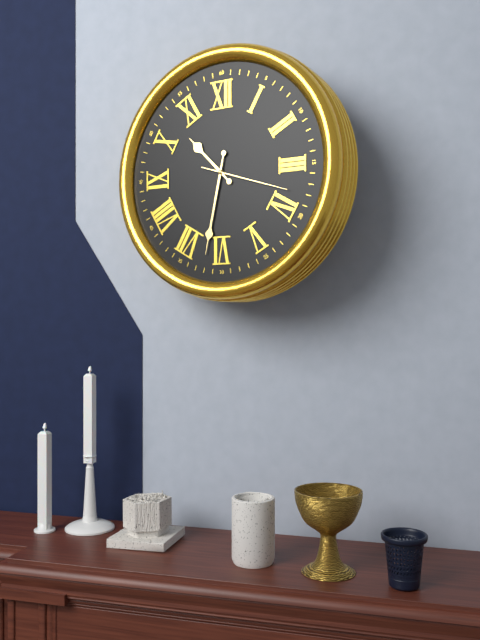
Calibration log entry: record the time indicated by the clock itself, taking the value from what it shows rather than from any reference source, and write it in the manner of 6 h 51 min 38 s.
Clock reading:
10 h 32 min 18 s
